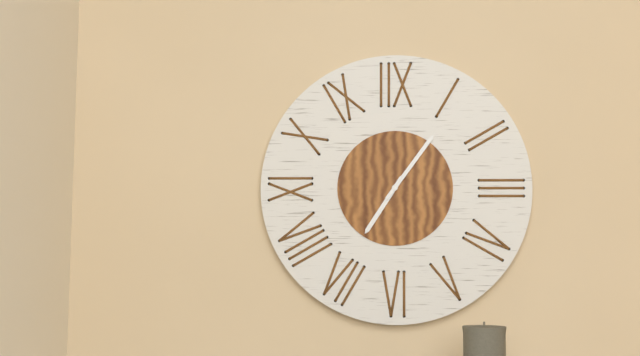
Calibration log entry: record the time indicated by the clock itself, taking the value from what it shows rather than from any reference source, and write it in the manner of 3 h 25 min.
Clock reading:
7 h 06 min
